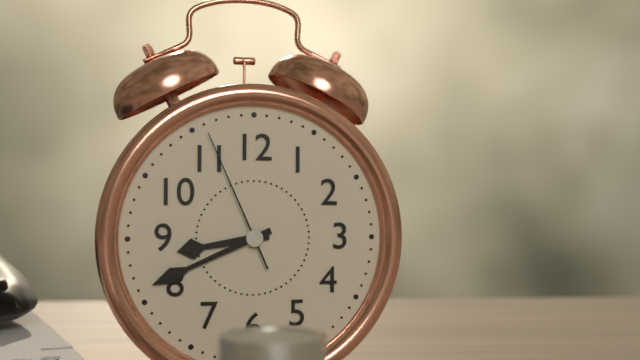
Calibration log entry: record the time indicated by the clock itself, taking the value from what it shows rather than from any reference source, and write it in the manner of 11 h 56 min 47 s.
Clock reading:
8 h 41 min 56 s
